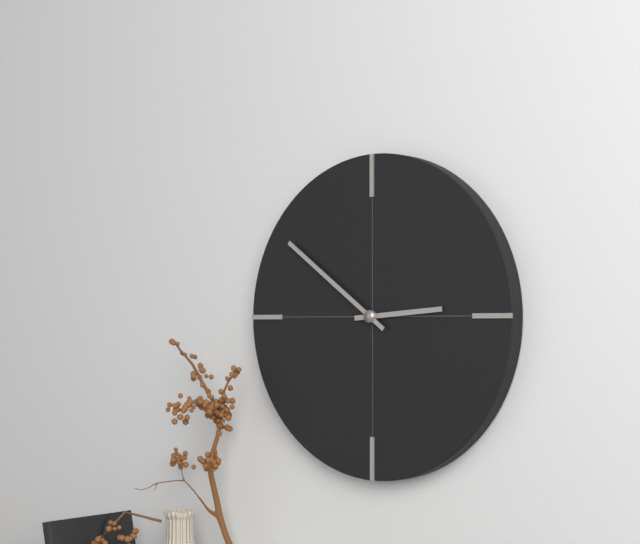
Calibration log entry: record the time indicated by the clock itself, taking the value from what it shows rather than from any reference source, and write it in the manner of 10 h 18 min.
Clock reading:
2 h 51 min
